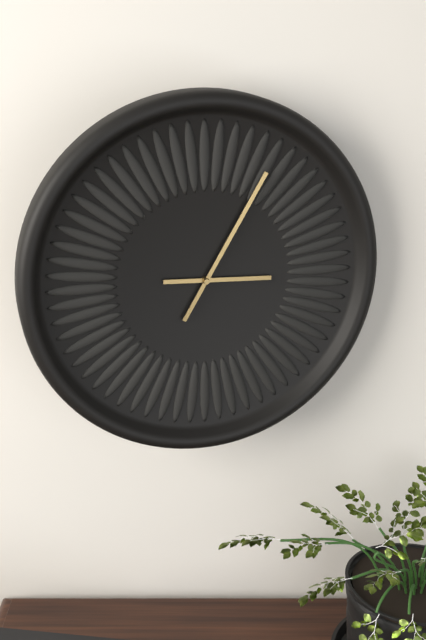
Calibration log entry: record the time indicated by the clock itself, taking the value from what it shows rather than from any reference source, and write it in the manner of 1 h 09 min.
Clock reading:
3 h 05 min
